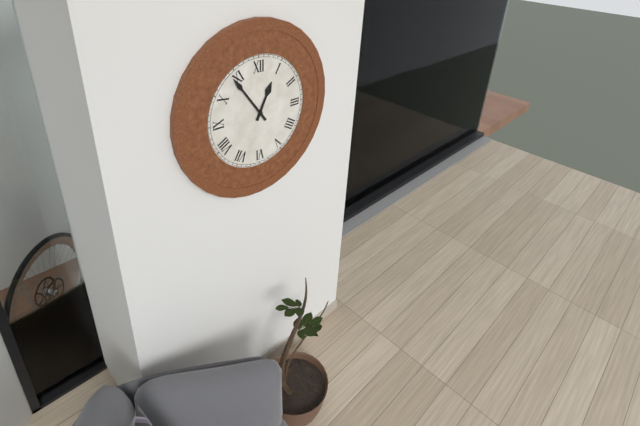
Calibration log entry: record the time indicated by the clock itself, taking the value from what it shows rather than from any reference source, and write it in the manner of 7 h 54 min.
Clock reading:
12 h 54 min
